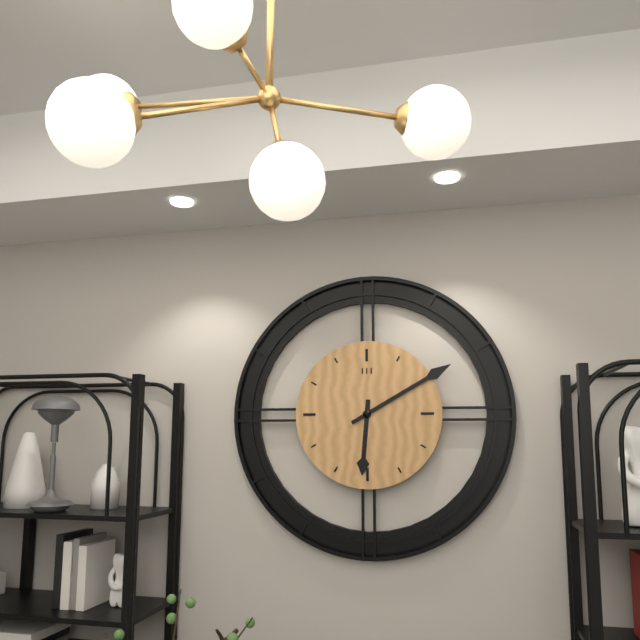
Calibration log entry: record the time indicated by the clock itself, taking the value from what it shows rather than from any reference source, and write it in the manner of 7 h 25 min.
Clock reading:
6 h 10 min
